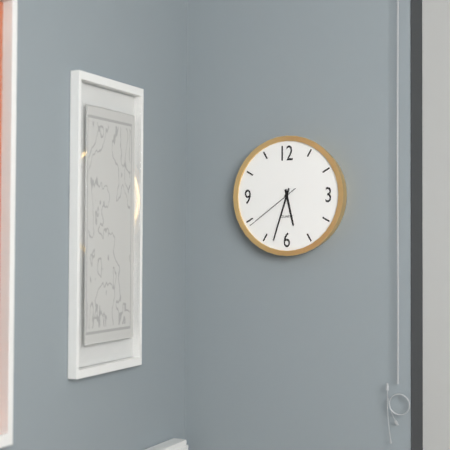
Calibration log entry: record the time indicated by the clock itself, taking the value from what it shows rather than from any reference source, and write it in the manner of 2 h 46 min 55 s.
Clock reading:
5 h 33 min 39 s
